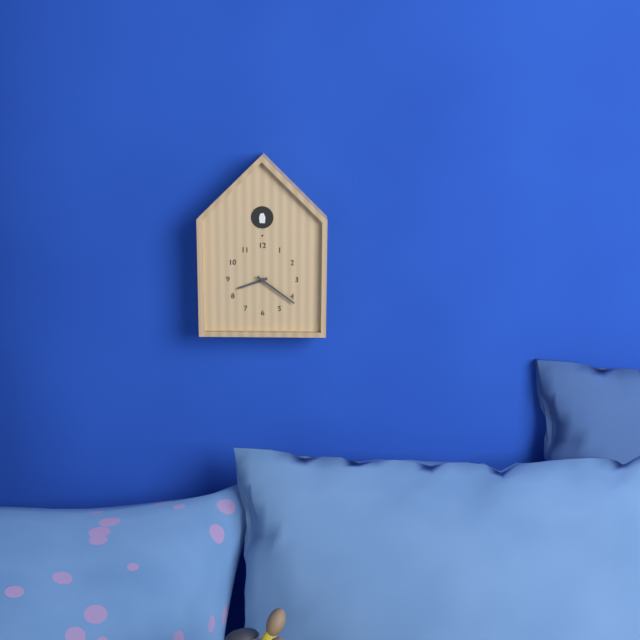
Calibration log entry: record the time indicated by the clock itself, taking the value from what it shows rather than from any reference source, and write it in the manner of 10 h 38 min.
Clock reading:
8 h 21 min
